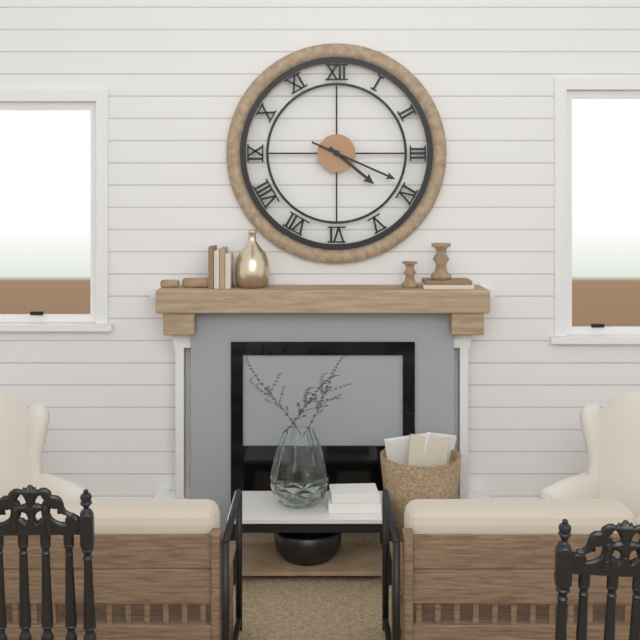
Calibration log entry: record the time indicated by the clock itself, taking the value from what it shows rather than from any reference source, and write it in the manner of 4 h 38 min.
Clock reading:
4 h 19 min
